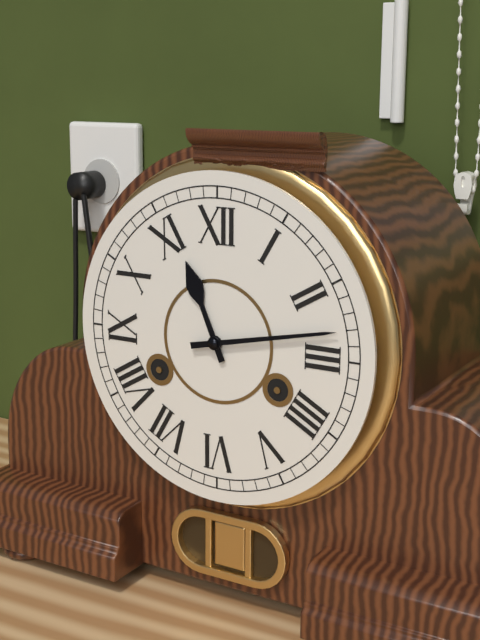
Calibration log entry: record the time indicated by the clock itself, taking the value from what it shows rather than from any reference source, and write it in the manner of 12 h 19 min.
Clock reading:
11 h 13 min
